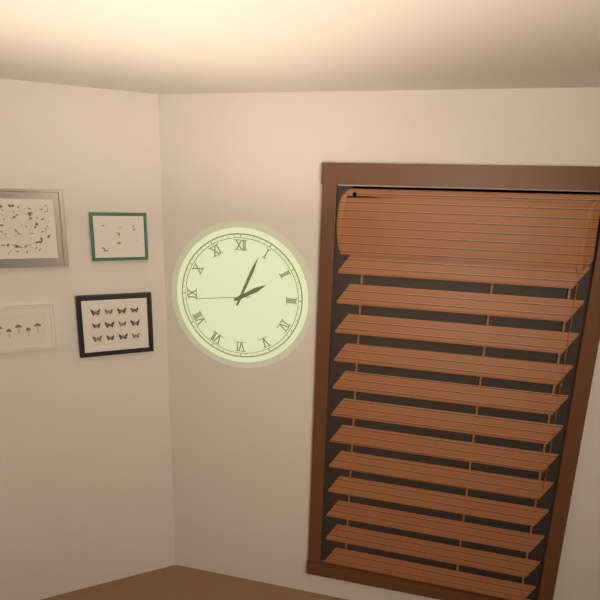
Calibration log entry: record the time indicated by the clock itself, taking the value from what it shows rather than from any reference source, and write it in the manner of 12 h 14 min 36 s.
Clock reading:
2 h 04 min 44 s
